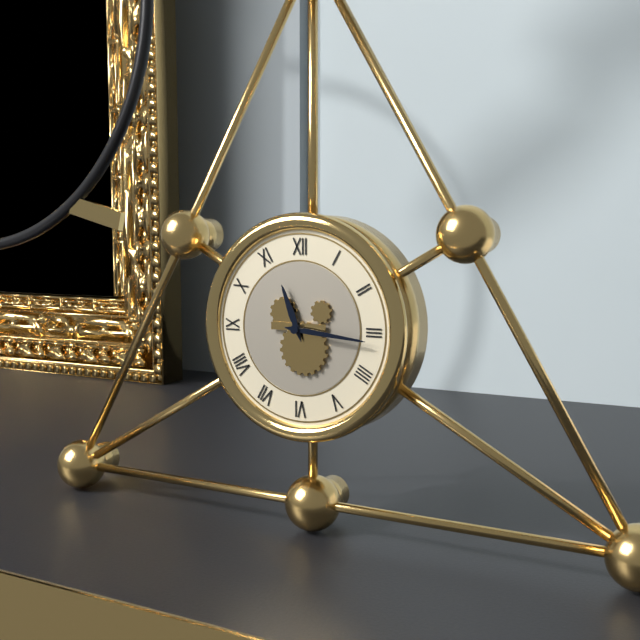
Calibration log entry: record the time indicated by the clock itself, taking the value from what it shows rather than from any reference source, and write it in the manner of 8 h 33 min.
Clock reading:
11 h 16 min
